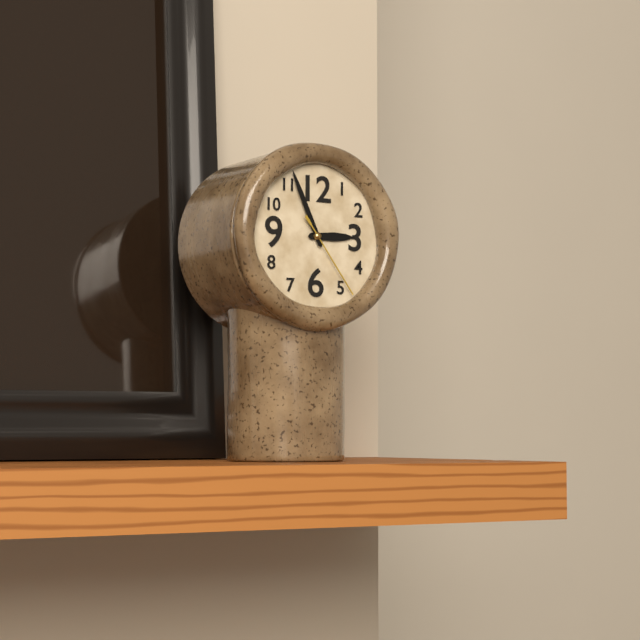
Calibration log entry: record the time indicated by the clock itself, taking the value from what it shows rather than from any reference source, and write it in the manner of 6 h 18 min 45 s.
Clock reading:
2 h 56 min 24 s
